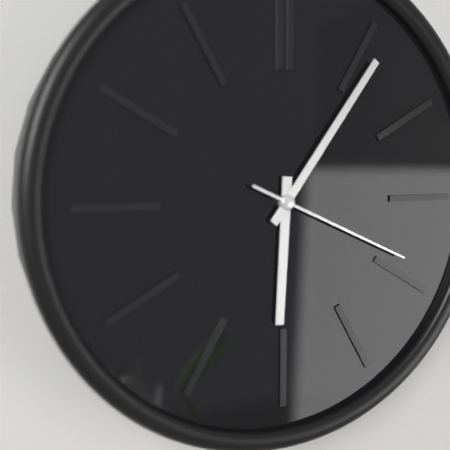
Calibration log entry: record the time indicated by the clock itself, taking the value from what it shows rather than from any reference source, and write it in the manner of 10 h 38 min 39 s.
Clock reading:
6 h 06 min 19 s
